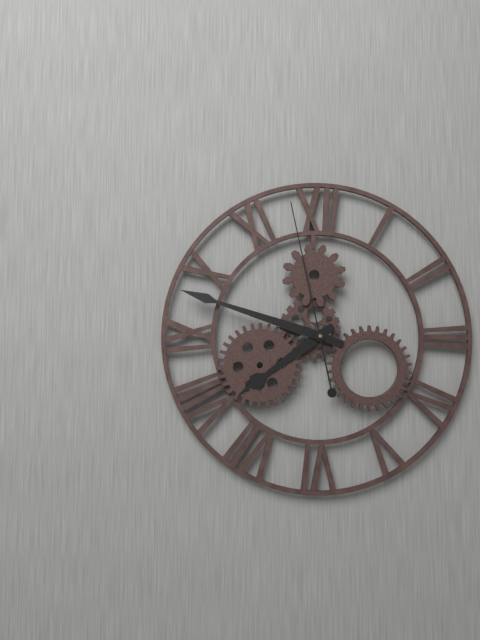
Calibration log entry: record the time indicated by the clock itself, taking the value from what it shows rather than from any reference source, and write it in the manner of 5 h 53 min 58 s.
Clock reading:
7 h 48 min 58 s
